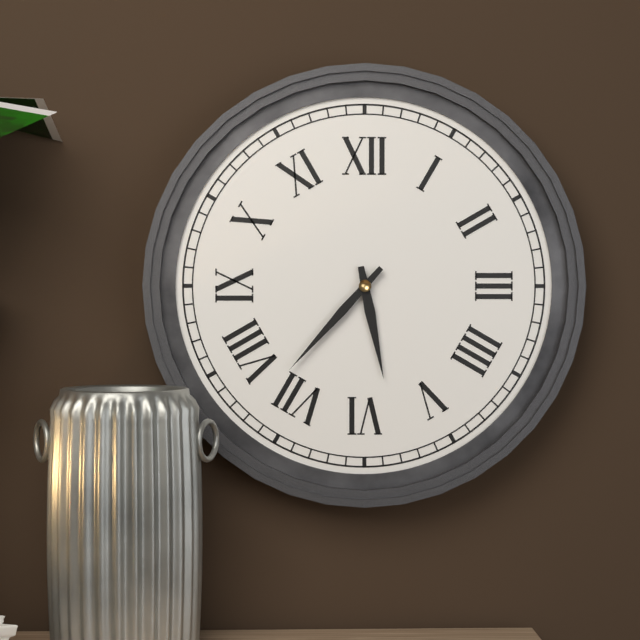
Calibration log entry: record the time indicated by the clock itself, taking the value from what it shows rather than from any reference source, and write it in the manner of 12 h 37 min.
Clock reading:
5 h 37 min
